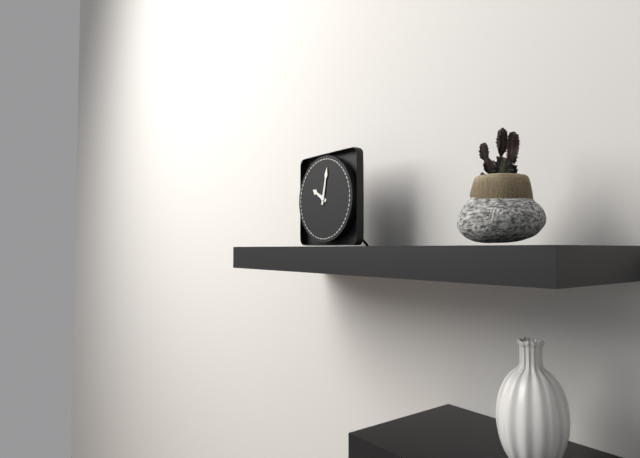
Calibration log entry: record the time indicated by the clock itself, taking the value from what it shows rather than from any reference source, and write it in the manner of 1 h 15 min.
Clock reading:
10 h 02 min
